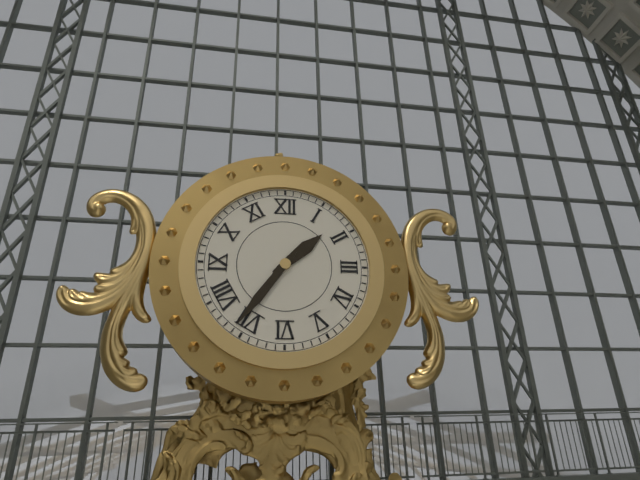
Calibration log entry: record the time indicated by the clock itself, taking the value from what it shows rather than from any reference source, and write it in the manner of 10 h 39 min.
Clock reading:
1 h 36 min
